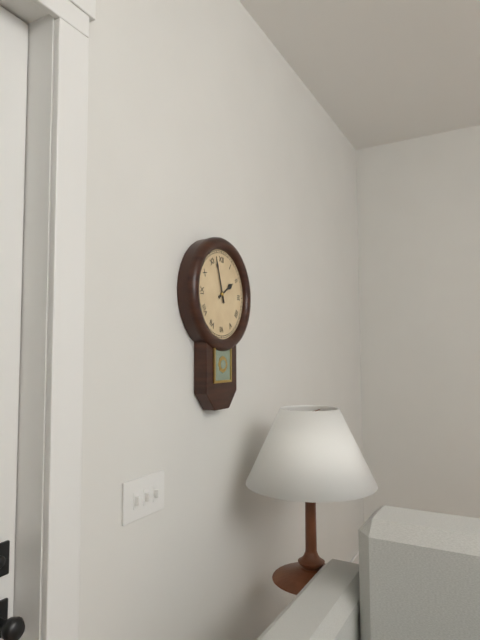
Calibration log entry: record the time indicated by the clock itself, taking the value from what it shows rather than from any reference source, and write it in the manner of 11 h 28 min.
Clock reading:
1 h 57 min
